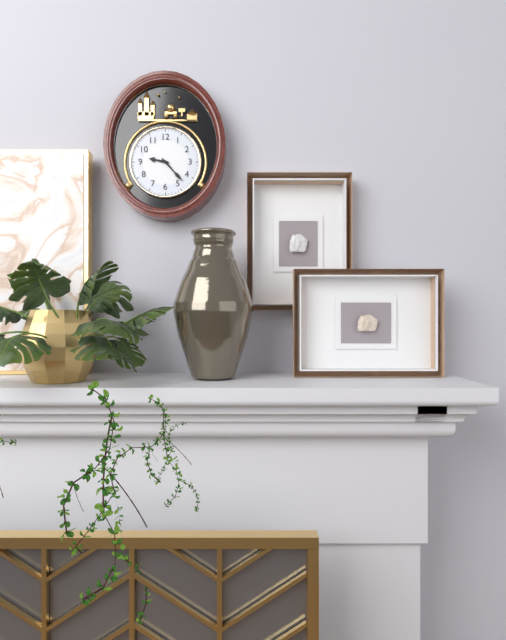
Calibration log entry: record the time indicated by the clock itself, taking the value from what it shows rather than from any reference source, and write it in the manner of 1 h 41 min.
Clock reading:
9 h 23 min
